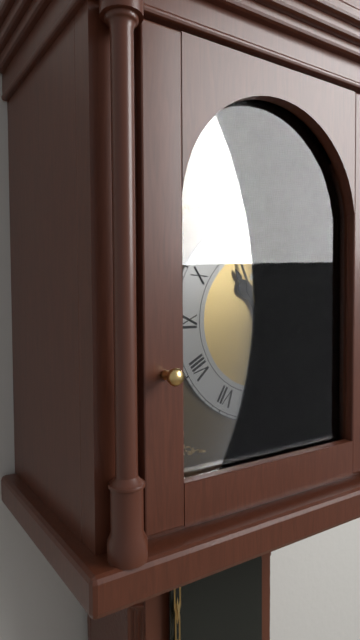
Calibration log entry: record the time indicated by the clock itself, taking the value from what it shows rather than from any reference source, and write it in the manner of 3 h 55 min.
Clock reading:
10 h 56 min
